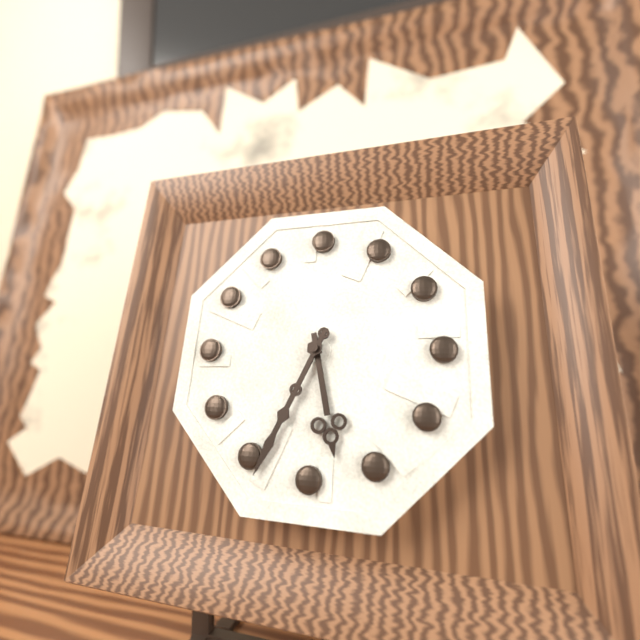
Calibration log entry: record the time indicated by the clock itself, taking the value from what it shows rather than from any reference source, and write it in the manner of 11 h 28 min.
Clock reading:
5 h 34 min
